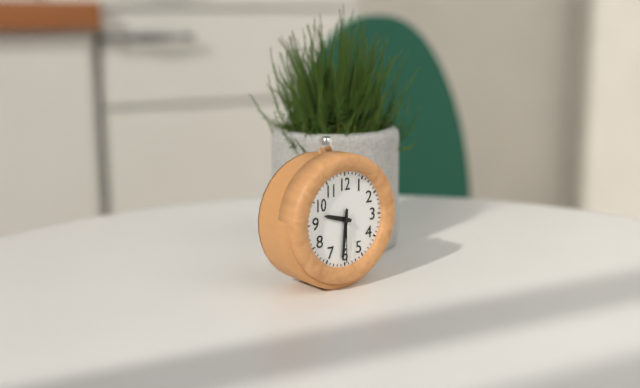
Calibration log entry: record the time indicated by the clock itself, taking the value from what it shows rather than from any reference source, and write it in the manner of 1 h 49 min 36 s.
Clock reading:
9 h 31 min 30 s
